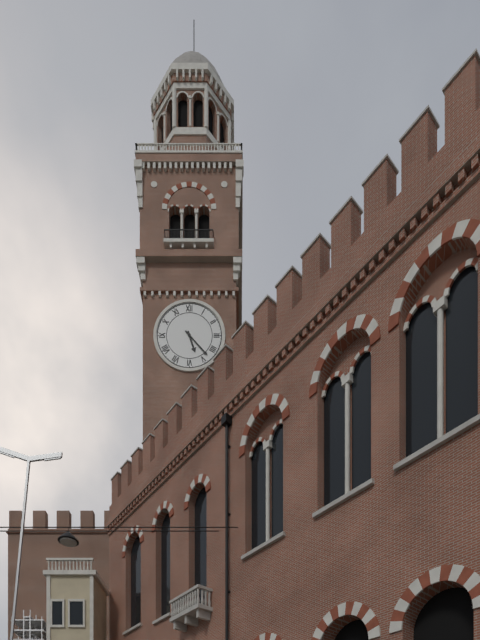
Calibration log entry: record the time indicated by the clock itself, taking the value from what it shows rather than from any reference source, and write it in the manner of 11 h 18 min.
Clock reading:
5 h 23 min
